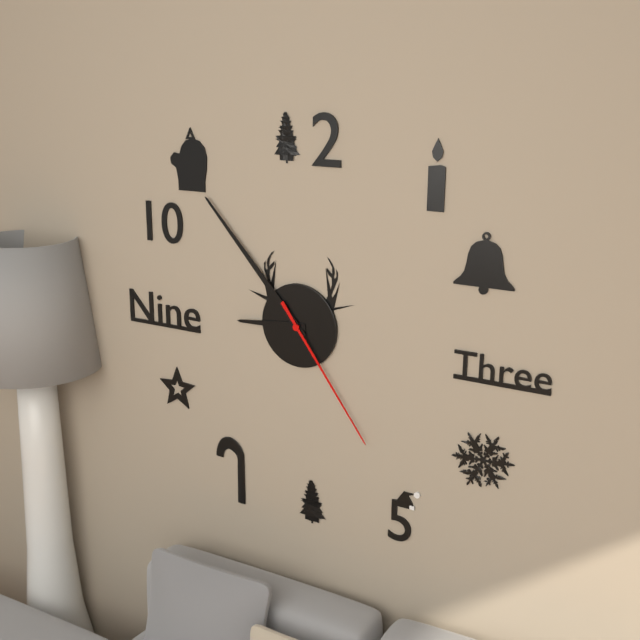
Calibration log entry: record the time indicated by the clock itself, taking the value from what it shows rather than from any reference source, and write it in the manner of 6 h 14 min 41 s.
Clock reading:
8 h 53 min 24 s
